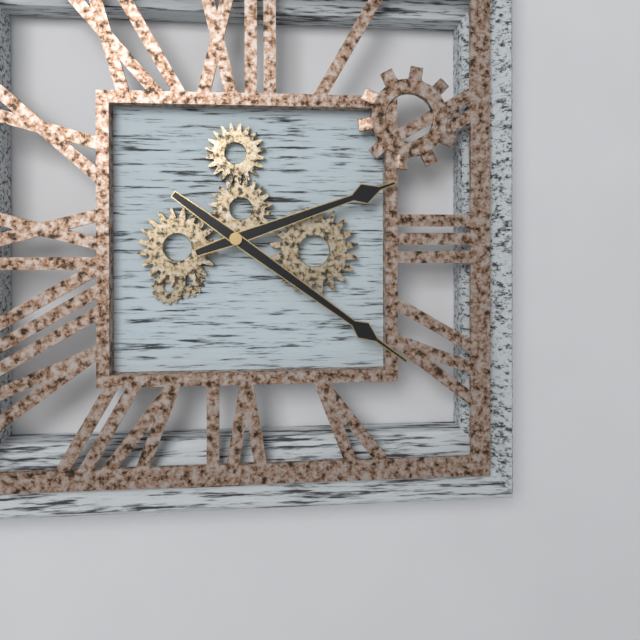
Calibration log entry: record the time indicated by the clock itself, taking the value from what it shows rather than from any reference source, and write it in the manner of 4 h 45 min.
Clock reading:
2 h 21 min
